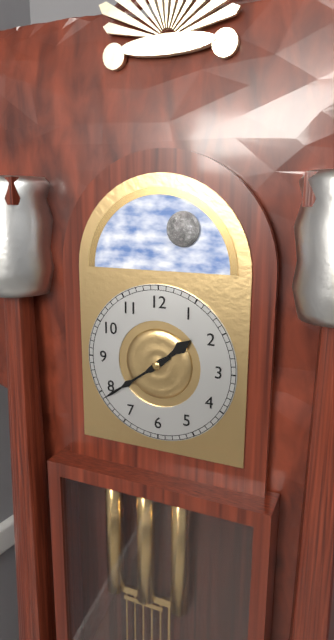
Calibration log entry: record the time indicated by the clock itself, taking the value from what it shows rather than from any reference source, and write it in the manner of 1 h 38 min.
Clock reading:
1 h 39 min
